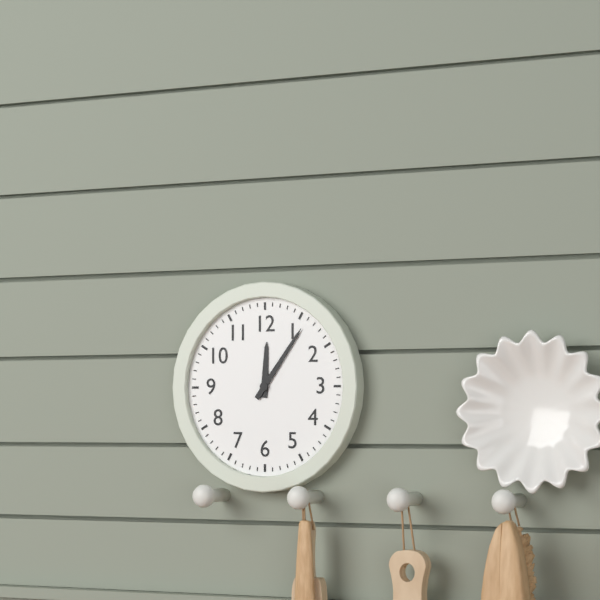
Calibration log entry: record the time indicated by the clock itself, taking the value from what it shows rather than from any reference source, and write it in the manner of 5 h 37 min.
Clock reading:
12 h 06 min
